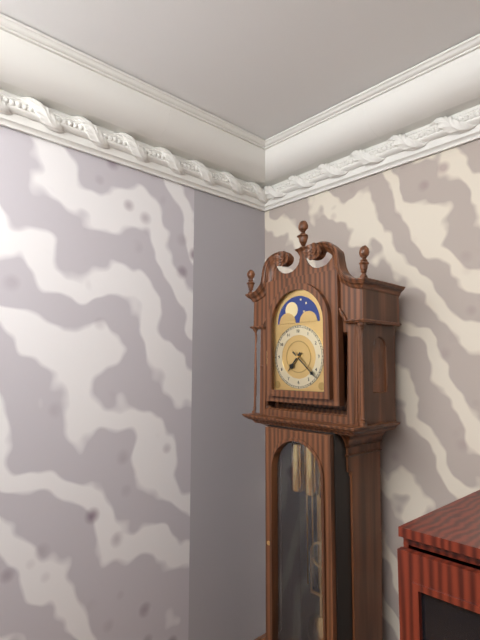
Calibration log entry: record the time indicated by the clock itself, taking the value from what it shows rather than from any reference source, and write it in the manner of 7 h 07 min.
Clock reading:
7 h 22 min
